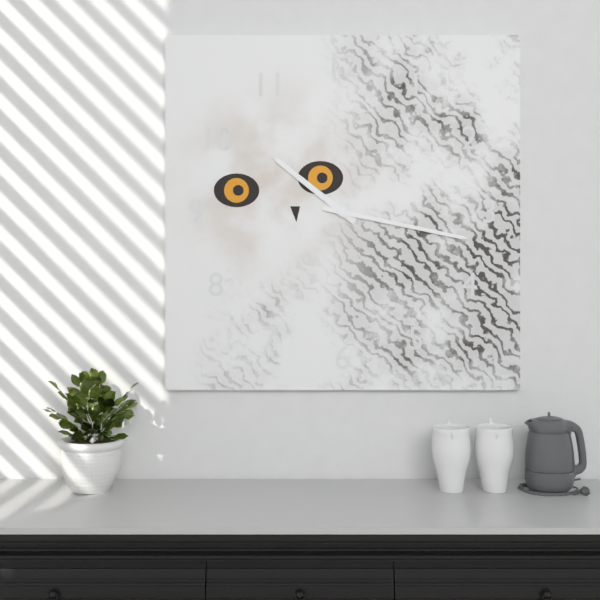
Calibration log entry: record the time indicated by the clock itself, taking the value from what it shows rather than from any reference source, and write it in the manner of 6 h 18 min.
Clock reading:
10 h 17 min
